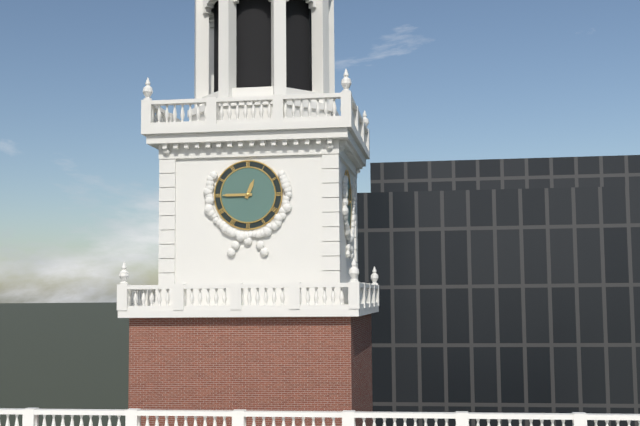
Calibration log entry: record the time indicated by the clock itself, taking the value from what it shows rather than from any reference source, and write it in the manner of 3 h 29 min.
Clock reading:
12 h 45 min
